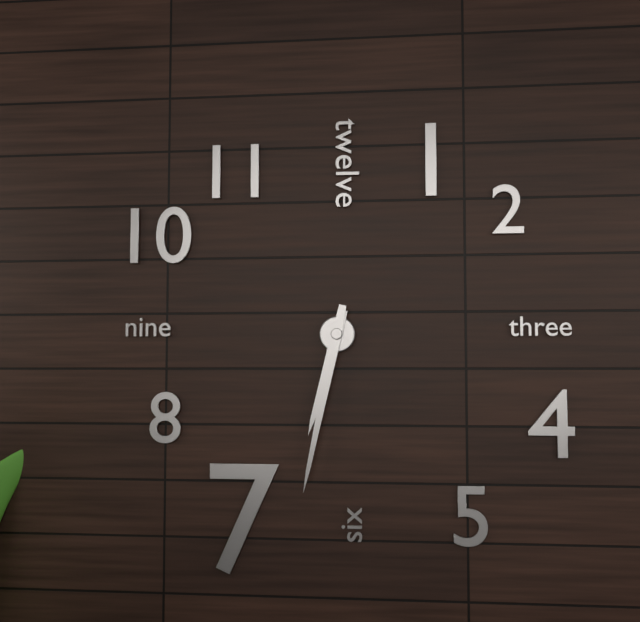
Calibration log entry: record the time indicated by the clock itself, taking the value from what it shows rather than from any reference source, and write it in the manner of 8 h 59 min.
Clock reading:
6 h 32 min
